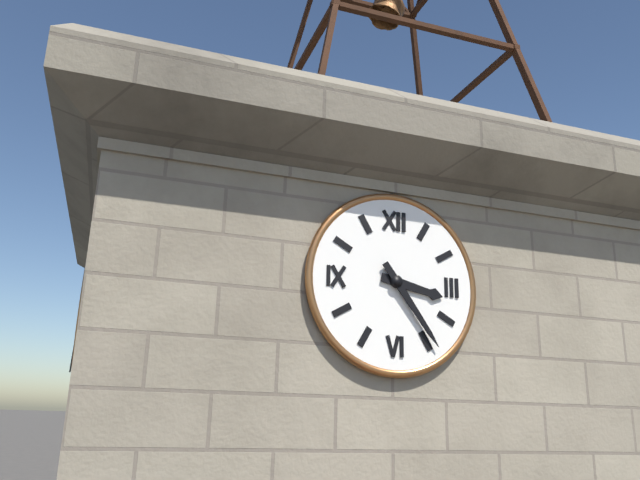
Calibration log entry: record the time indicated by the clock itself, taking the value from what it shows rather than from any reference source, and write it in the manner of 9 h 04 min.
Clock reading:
3 h 24 min
